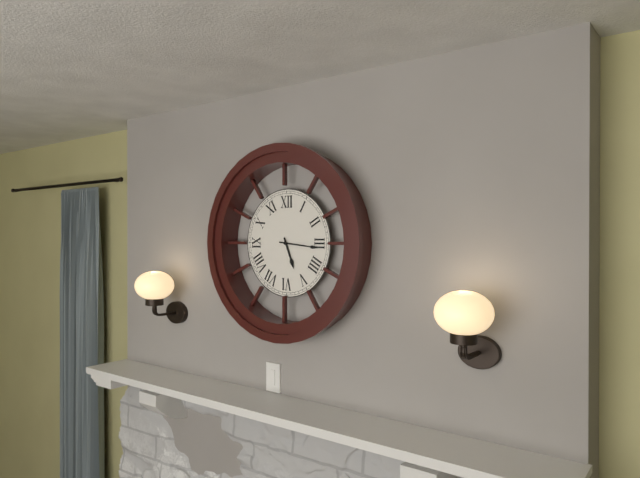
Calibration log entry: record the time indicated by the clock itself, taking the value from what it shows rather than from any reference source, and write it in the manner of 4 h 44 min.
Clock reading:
5 h 16 min
